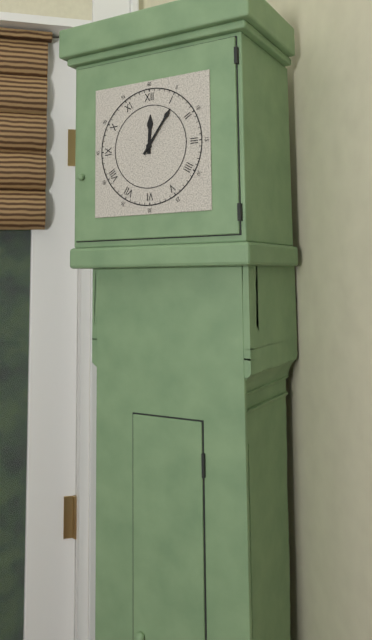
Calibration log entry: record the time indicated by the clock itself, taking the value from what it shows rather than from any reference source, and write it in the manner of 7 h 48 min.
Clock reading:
12 h 06 min
